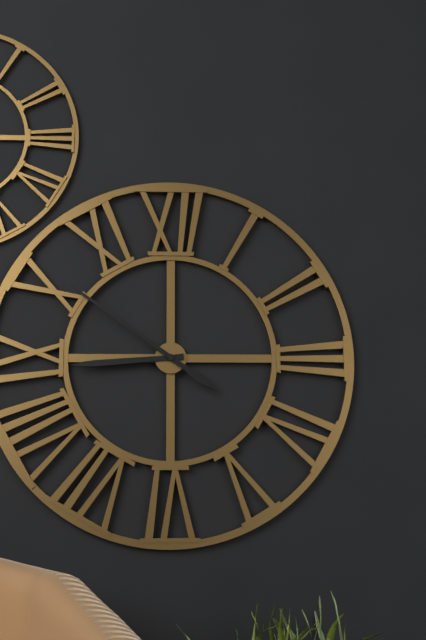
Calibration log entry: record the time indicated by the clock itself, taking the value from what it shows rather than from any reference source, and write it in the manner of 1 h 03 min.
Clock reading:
8 h 51 min
